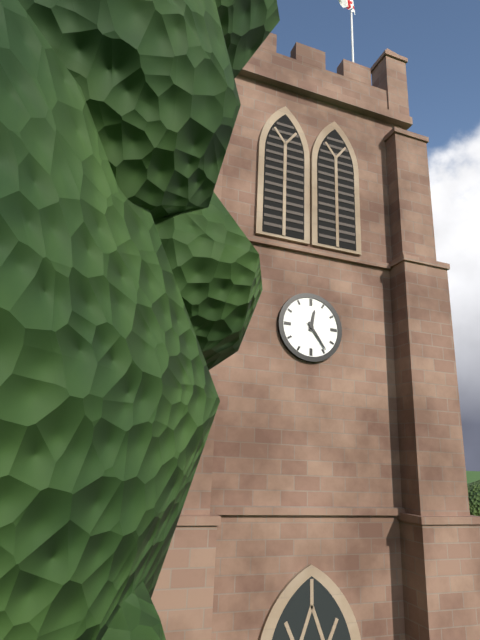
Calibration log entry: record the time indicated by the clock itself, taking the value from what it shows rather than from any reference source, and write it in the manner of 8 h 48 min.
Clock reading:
12 h 24 min
